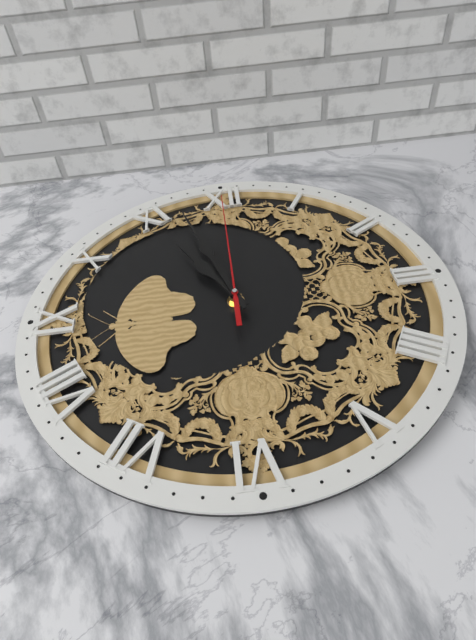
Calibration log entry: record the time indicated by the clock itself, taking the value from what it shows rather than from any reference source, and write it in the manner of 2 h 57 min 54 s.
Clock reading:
10 h 57 min 00 s
